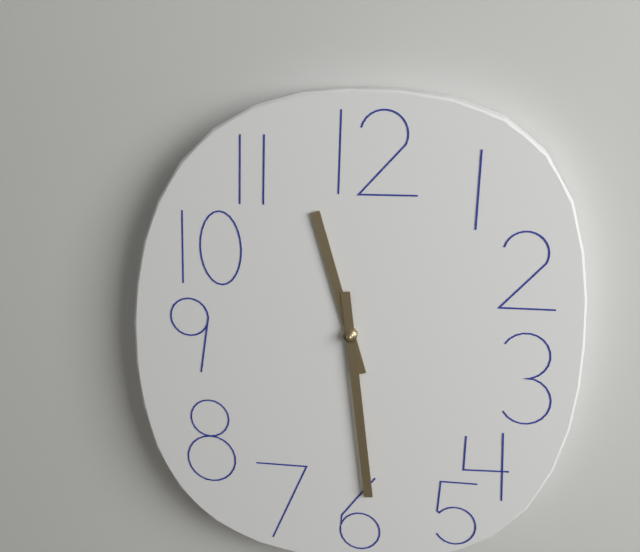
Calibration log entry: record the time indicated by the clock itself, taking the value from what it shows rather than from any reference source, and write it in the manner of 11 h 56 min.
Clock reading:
11 h 29 min
